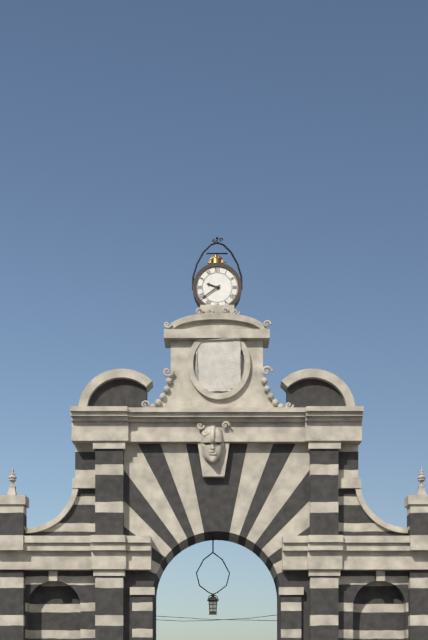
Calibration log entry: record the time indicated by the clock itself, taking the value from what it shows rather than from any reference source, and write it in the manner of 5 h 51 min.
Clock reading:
9 h 39 min
